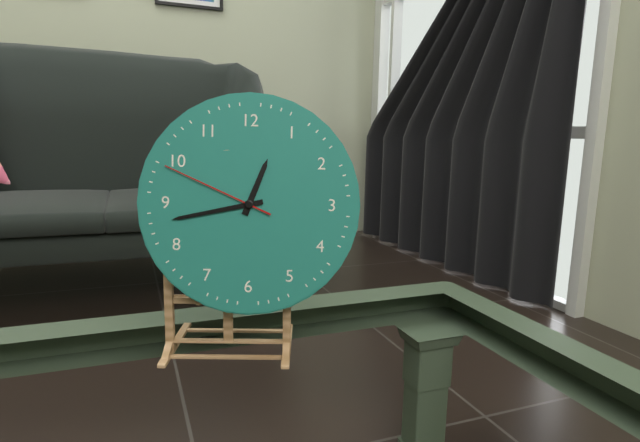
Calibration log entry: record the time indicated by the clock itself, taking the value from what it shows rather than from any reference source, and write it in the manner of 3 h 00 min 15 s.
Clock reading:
12 h 43 min 49 s
